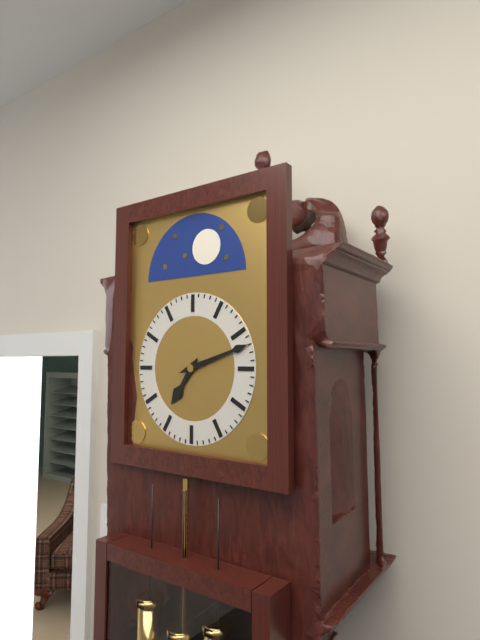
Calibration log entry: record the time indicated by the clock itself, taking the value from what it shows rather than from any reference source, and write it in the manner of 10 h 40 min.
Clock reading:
7 h 12 min
